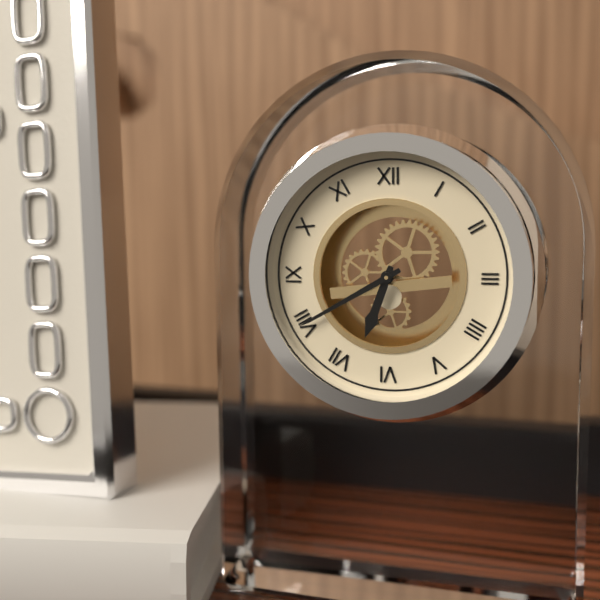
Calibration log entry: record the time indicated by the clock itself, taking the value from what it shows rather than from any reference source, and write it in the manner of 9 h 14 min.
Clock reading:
6 h 40 min
